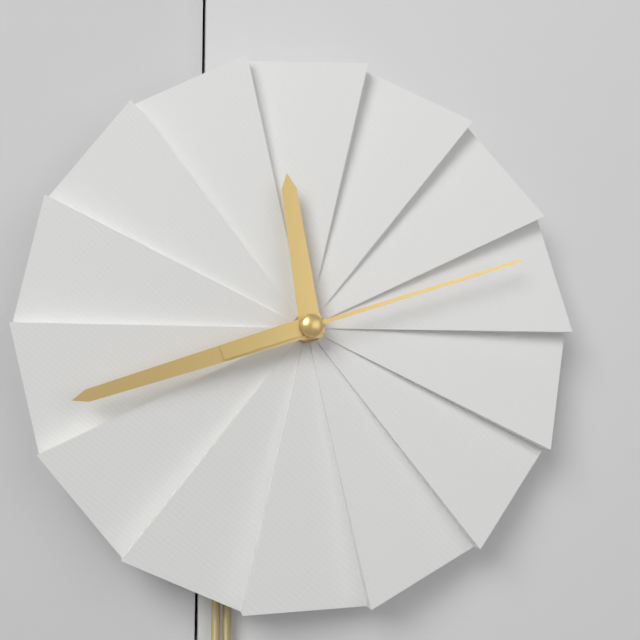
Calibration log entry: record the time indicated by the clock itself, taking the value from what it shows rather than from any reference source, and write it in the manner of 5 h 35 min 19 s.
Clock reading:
11 h 42 min 12 s
